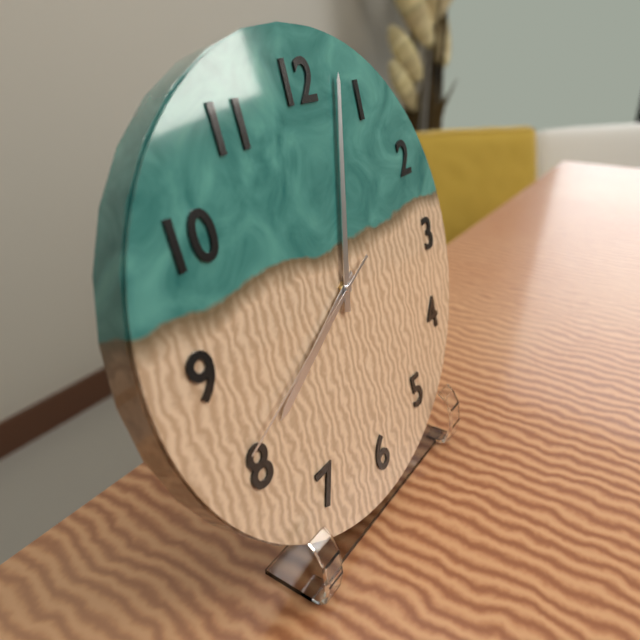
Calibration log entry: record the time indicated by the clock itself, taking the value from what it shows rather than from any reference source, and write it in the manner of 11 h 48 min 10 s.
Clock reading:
8 h 03 min 41 s
